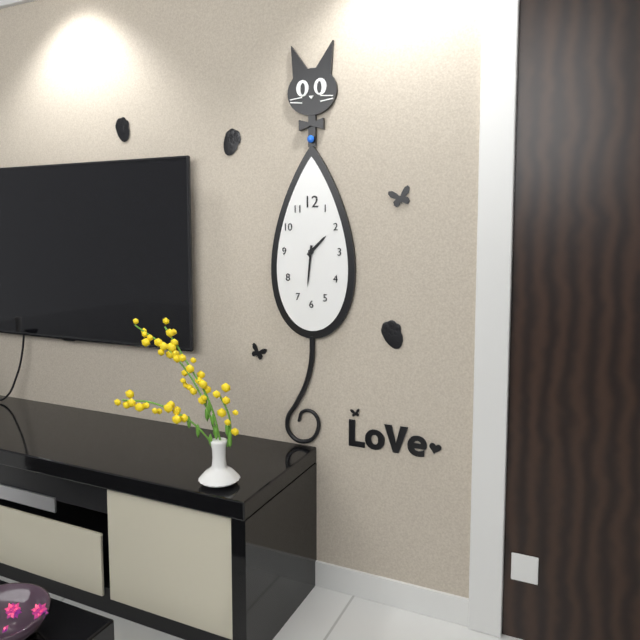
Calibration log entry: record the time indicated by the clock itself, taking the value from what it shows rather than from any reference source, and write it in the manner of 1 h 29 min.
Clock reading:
1 h 31 min
